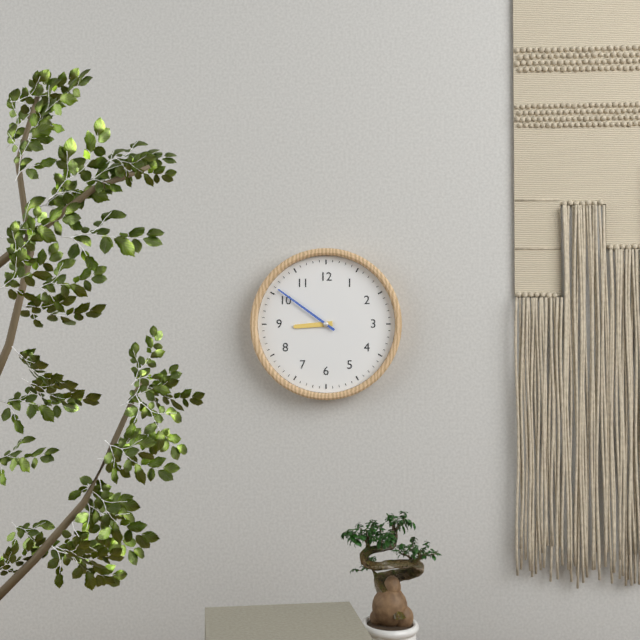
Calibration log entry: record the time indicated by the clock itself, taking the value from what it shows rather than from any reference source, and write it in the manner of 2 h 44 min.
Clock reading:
8 h 51 min
